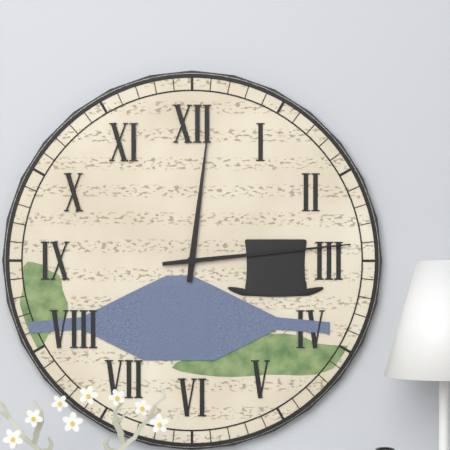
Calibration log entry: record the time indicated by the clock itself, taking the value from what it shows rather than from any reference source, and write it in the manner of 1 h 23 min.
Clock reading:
12 h 14 min
